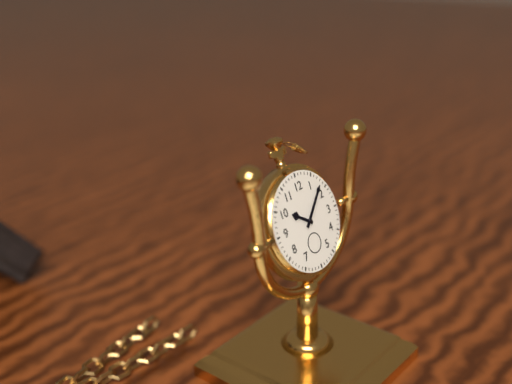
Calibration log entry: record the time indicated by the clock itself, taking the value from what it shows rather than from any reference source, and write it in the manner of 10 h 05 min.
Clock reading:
10 h 08 min
